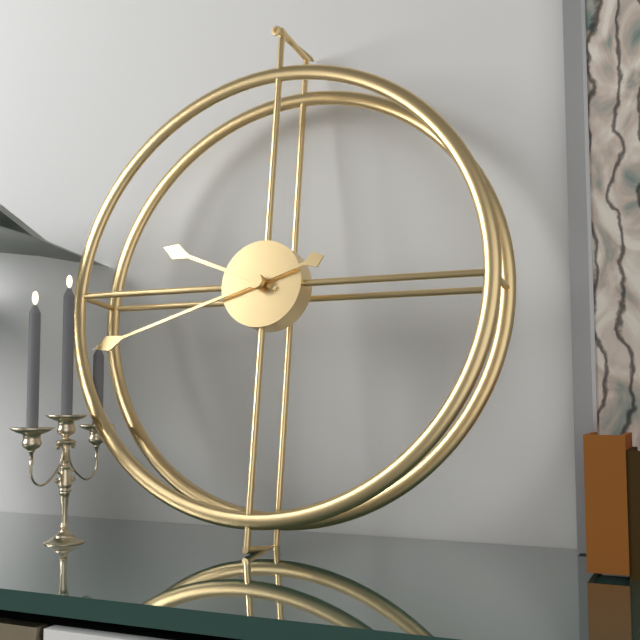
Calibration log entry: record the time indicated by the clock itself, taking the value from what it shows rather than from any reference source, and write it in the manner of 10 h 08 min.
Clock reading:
9 h 42 min
